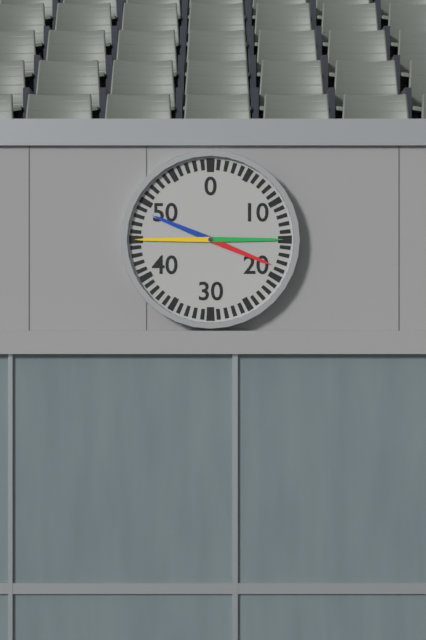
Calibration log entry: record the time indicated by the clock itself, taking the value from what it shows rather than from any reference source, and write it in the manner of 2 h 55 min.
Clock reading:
3 h 45 min
